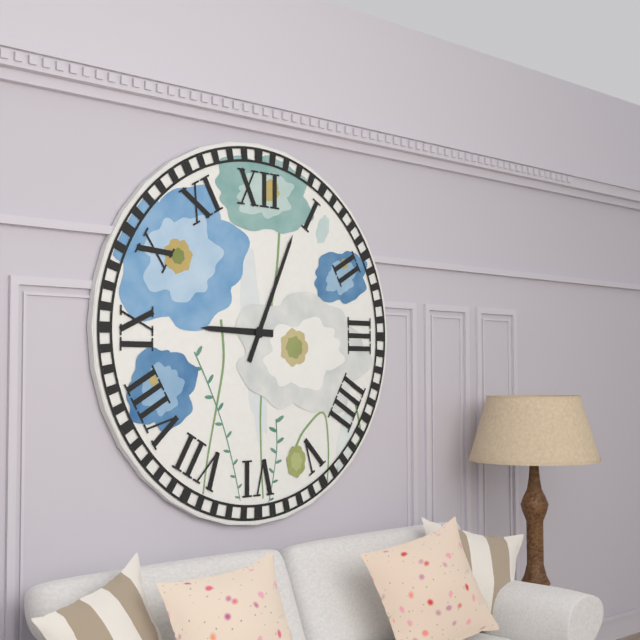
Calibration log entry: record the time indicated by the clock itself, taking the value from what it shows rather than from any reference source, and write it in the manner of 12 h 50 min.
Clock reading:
9 h 04 min
